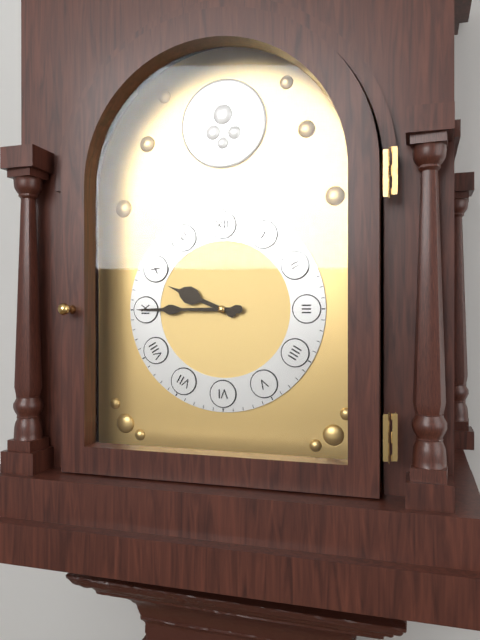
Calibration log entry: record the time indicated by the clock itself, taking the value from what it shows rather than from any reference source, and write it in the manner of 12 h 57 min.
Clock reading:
9 h 45 min
